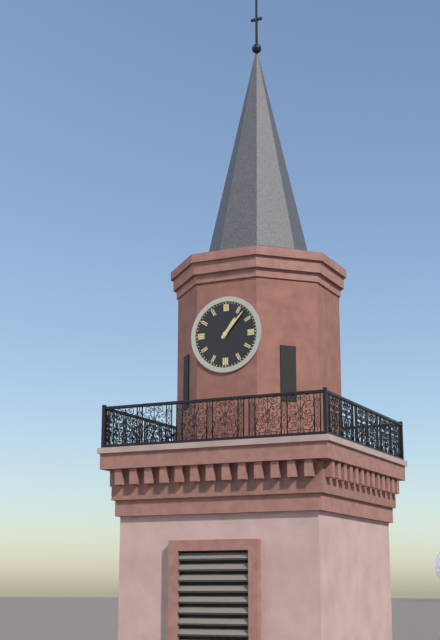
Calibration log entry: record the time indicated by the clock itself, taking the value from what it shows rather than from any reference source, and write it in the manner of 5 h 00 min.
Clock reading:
1 h 07 min
